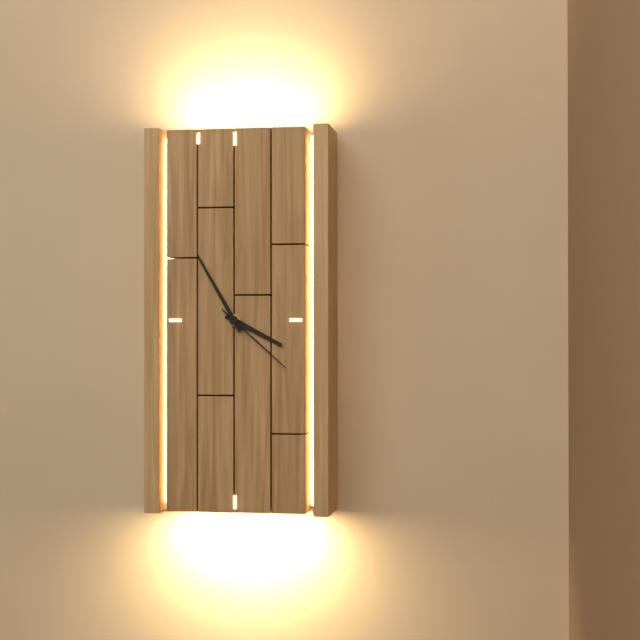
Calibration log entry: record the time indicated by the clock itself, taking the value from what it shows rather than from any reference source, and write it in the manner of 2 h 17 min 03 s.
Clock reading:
3 h 55 min 22 s
